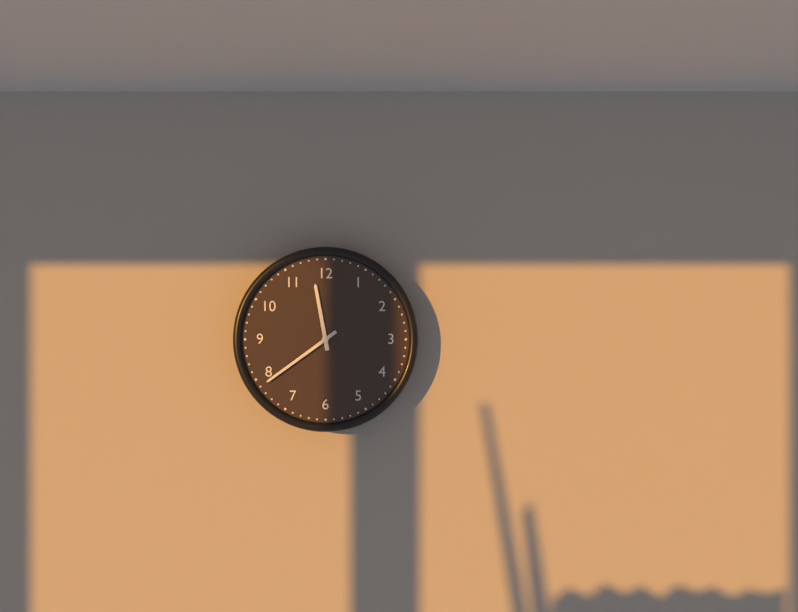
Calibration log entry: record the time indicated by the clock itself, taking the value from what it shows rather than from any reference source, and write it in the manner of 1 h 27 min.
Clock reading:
11 h 39 min
